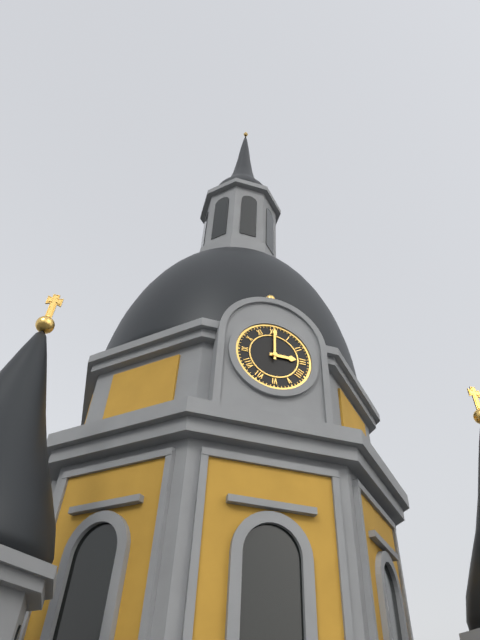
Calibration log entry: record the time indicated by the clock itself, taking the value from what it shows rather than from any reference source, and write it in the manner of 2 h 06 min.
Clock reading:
3 h 00 min
